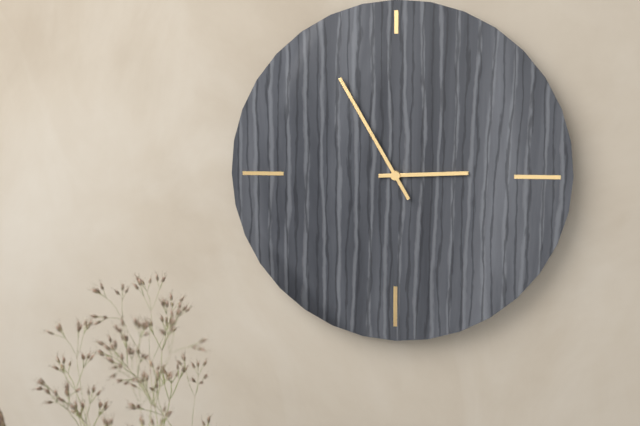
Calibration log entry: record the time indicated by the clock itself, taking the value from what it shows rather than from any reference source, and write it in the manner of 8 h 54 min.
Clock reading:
2 h 55 min
